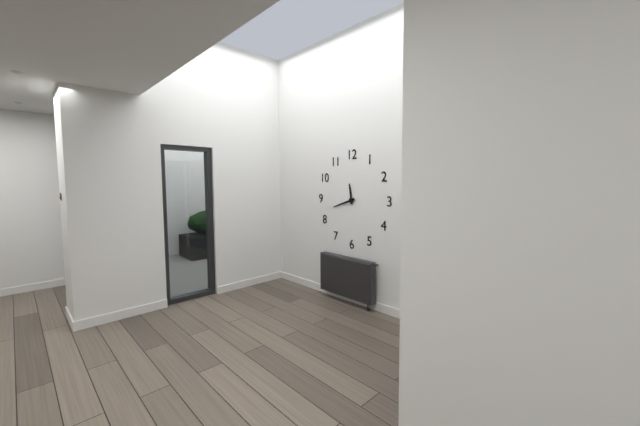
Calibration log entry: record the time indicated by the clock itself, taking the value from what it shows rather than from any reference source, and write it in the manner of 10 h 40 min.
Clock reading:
11 h 42 min
